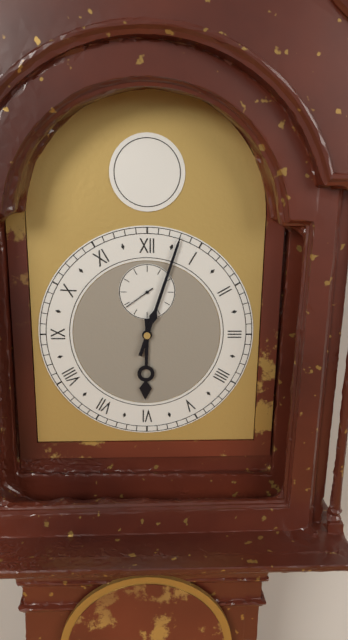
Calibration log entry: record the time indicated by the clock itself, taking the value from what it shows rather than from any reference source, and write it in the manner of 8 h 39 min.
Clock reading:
6 h 03 min
